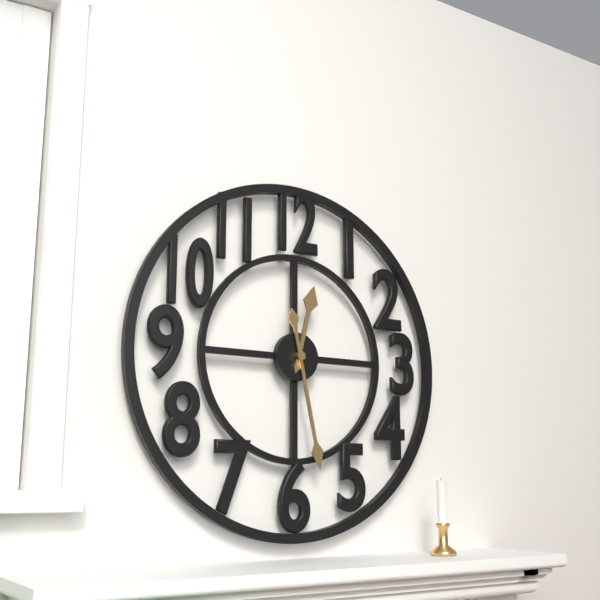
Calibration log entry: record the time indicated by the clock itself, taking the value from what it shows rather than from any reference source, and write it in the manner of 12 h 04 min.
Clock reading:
12 h 28 min
